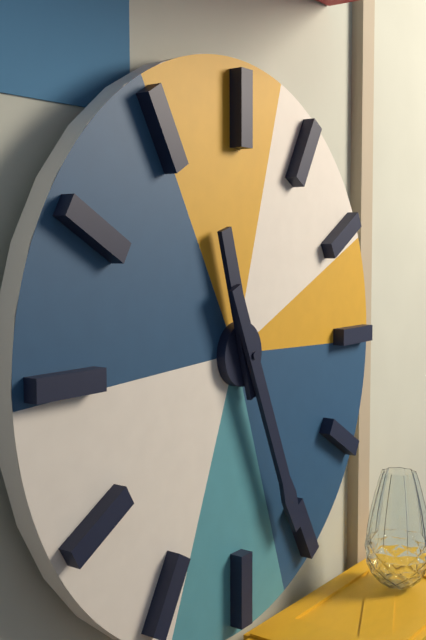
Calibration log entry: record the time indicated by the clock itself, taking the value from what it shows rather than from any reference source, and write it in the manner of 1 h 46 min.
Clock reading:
11 h 26 min
